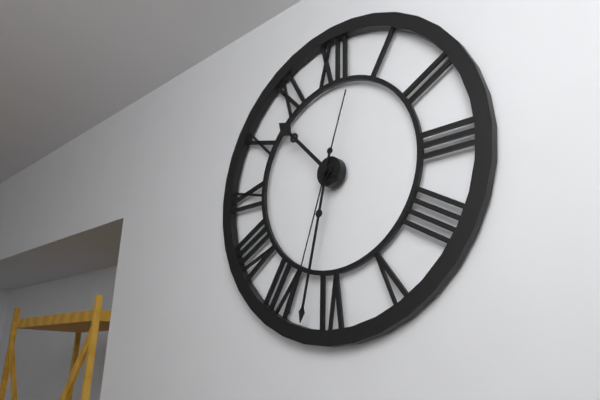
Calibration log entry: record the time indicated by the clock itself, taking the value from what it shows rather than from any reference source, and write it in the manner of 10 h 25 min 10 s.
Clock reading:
10 h 32 min 33 s
